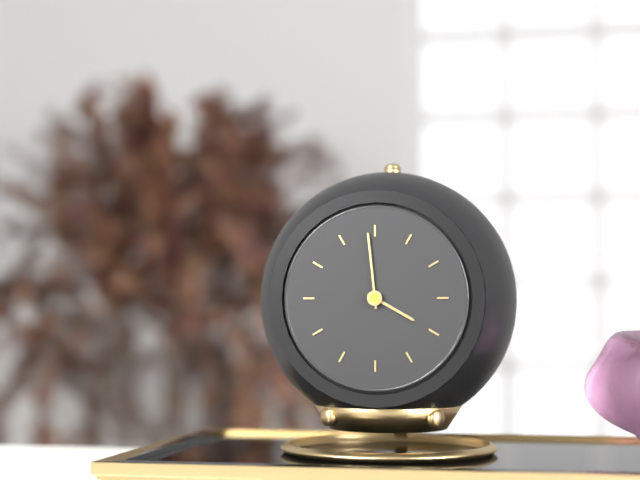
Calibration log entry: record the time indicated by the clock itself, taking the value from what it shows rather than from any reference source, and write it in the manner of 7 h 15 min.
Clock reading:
3 h 59 min
